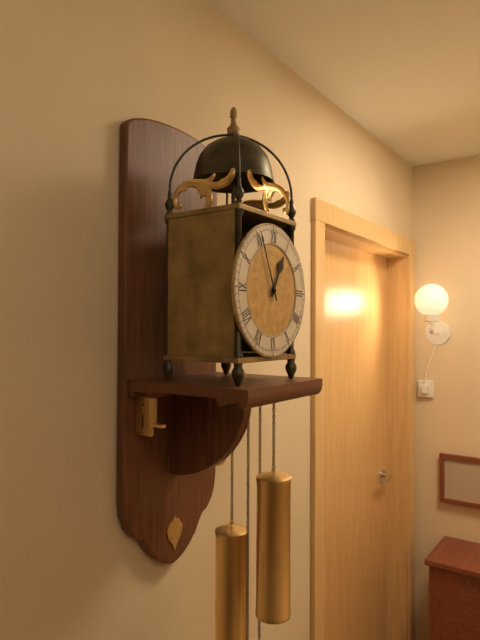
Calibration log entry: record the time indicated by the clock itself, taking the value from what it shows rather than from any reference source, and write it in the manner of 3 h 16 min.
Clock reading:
12 h 56 min
